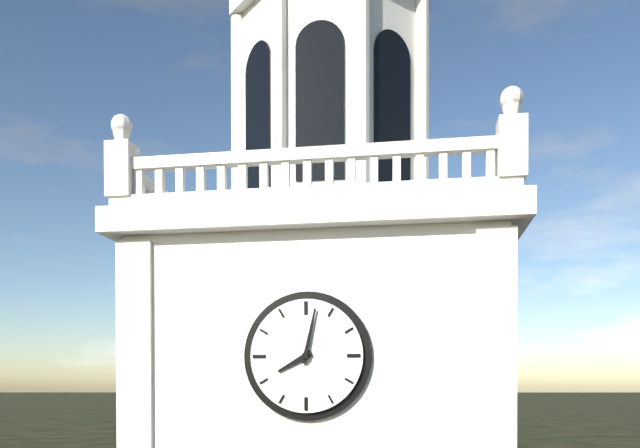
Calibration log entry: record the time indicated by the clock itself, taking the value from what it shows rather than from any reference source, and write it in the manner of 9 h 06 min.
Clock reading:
8 h 02 min
